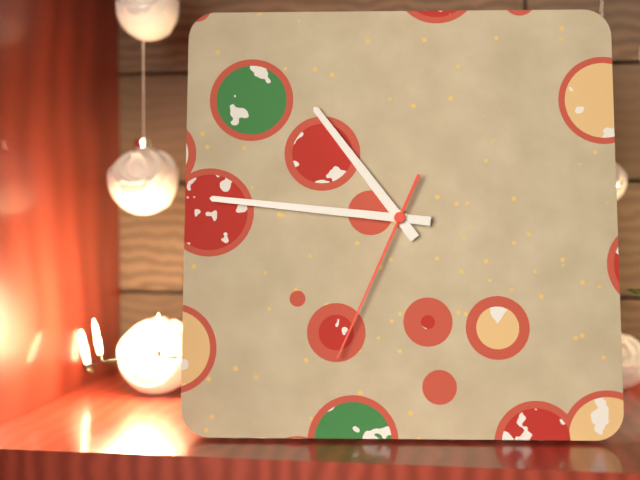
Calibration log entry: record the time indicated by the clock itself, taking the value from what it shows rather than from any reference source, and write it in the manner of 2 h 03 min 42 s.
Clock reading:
10 h 46 min 34 s
